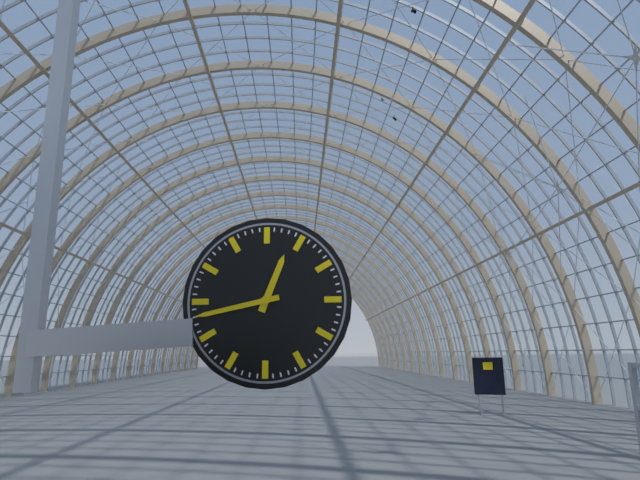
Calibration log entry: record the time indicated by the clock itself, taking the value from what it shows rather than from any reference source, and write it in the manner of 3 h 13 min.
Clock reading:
12 h 43 min
